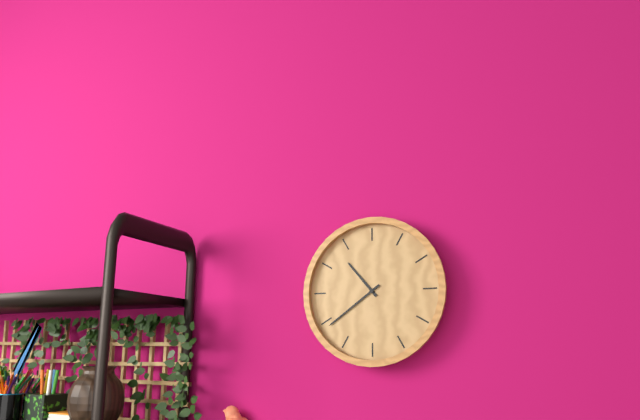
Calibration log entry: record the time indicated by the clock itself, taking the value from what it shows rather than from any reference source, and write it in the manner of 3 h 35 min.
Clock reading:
10 h 39 min
